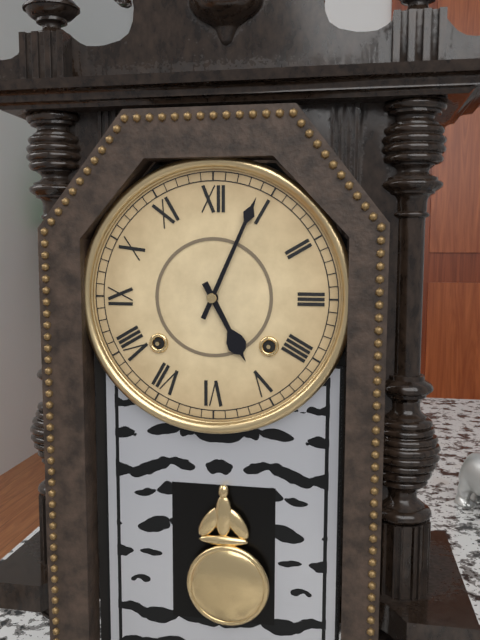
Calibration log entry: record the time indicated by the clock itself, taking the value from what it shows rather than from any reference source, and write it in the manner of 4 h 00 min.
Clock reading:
5 h 04 min
